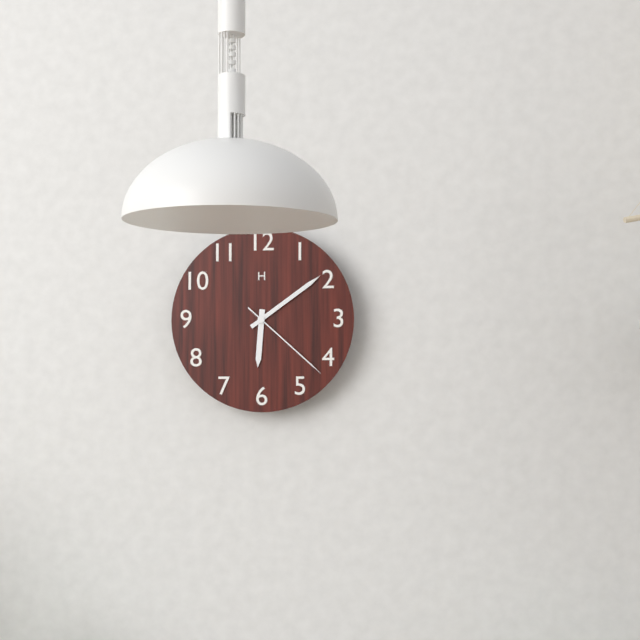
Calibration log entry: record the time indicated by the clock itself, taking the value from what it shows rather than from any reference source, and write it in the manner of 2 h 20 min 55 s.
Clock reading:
6 h 09 min 22 s
